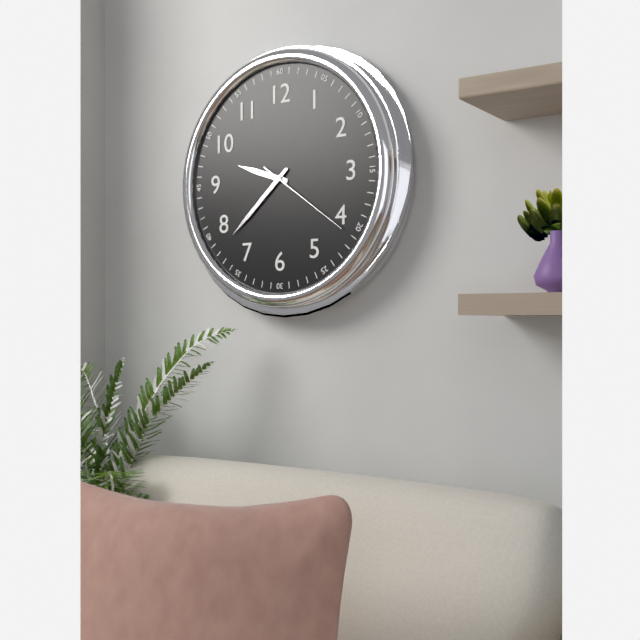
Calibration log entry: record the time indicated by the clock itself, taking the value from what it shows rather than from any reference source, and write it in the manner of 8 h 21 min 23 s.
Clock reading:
9 h 38 min 21 s
